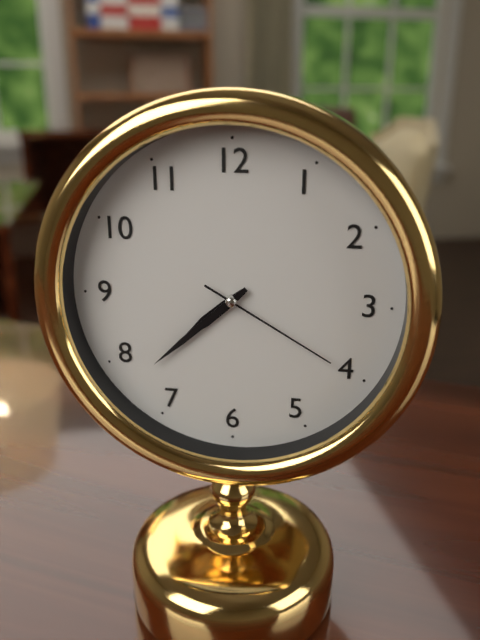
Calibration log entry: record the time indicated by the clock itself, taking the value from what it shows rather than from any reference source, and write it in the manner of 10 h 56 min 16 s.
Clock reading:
7 h 38 min 20 s
